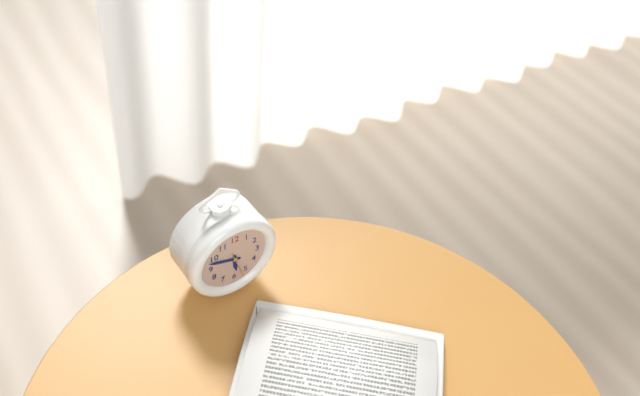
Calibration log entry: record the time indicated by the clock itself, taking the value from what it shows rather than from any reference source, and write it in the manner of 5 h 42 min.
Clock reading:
5 h 48 min
